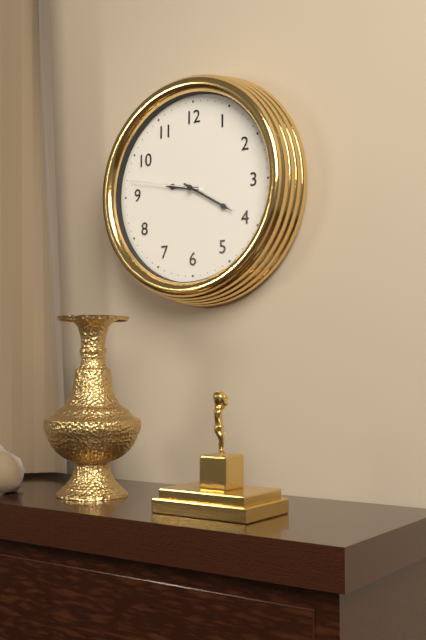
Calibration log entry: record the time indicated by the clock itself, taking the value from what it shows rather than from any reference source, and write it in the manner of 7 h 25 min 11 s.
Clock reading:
9 h 20 min 47 s
